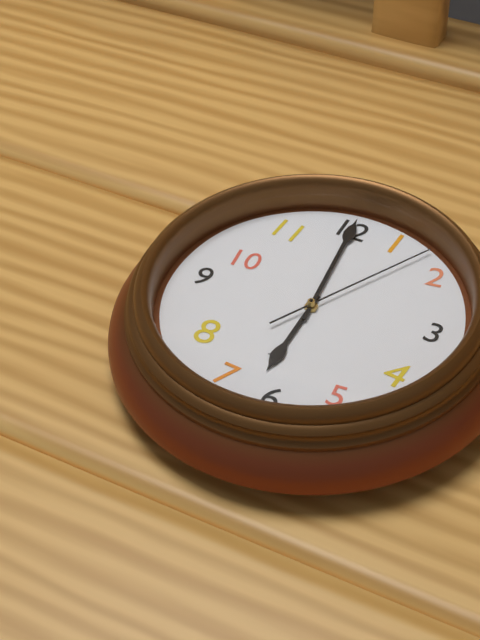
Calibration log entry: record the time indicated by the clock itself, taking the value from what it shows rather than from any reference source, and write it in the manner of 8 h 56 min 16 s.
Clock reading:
5 h 59 min 05 s
